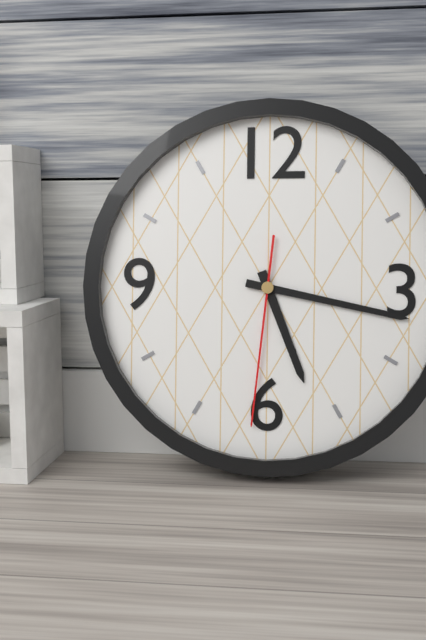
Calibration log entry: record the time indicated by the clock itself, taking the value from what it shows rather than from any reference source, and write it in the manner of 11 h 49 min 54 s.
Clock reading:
5 h 17 min 31 s
